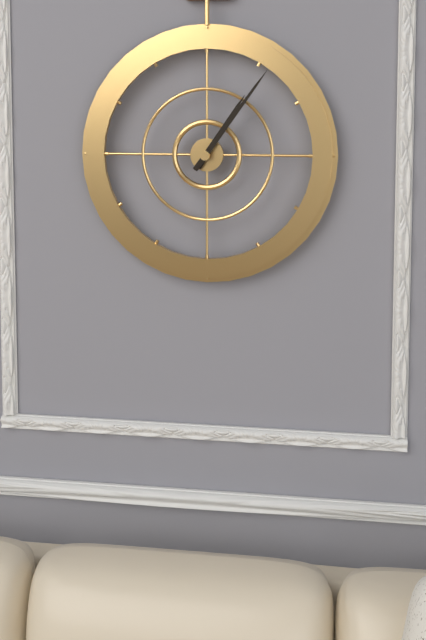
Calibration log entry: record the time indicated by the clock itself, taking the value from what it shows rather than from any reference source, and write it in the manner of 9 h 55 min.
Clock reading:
1 h 06 min
